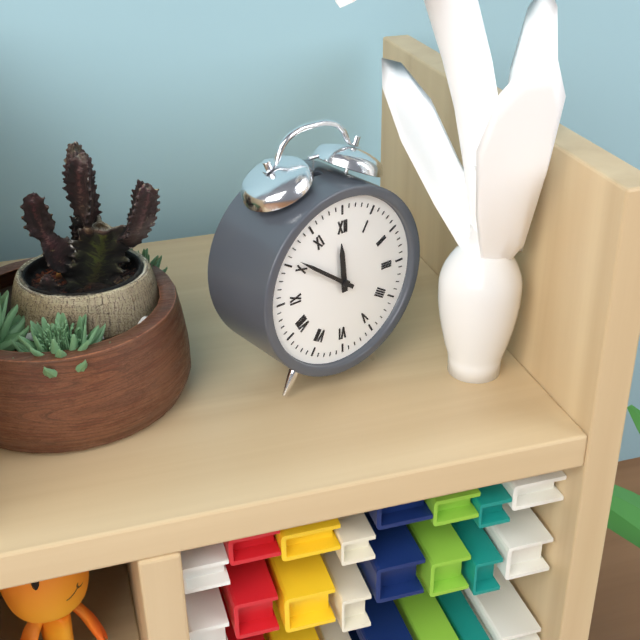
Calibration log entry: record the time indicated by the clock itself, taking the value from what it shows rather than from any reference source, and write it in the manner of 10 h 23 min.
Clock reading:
11 h 51 min
